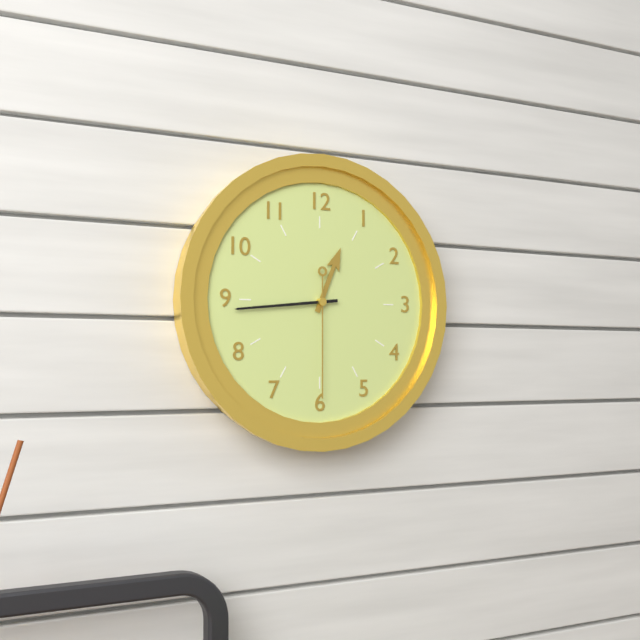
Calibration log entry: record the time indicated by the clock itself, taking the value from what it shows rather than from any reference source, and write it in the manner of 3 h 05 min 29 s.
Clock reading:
12 h 44 min 30 s
